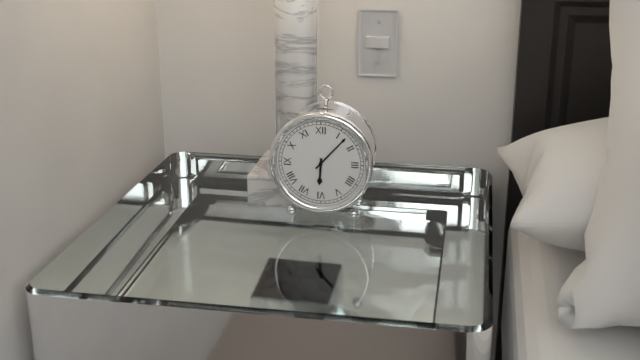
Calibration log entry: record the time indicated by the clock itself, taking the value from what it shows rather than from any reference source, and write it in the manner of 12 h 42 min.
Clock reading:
6 h 07 min
